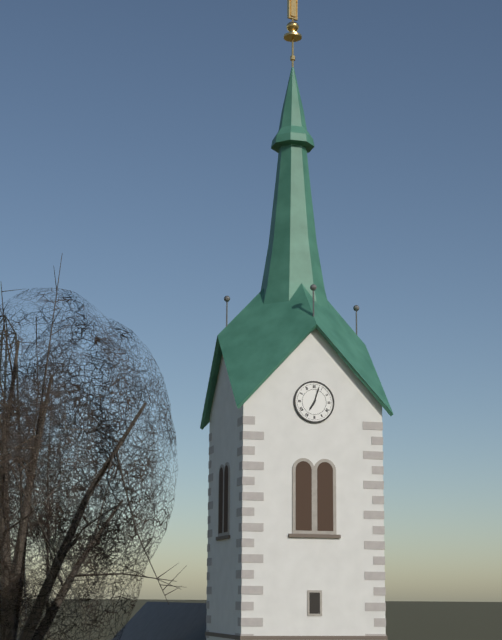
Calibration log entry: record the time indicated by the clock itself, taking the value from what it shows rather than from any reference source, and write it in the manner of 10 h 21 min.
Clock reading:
7 h 03 min
